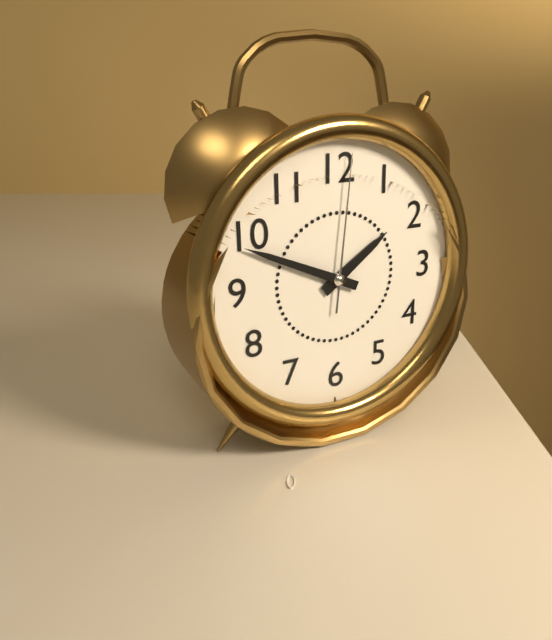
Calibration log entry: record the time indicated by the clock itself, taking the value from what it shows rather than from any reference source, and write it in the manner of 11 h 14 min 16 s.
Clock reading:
1 h 49 min 01 s
